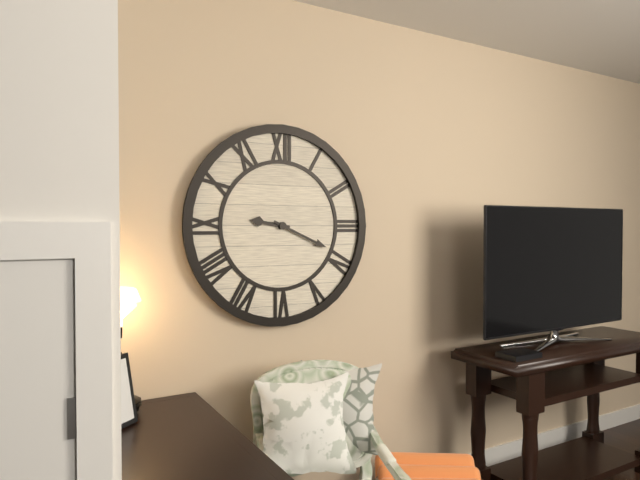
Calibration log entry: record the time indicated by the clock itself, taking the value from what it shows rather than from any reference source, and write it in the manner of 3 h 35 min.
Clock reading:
9 h 19 min
